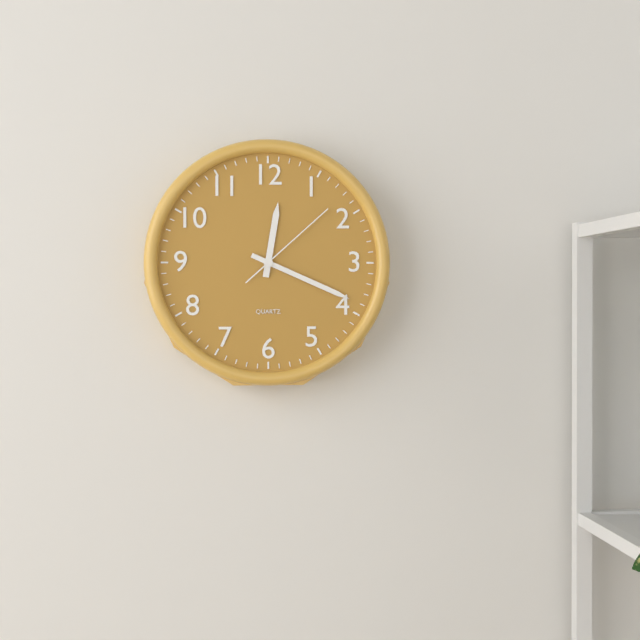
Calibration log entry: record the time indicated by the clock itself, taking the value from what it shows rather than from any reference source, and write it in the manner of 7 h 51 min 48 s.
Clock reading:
12 h 19 min 08 s
